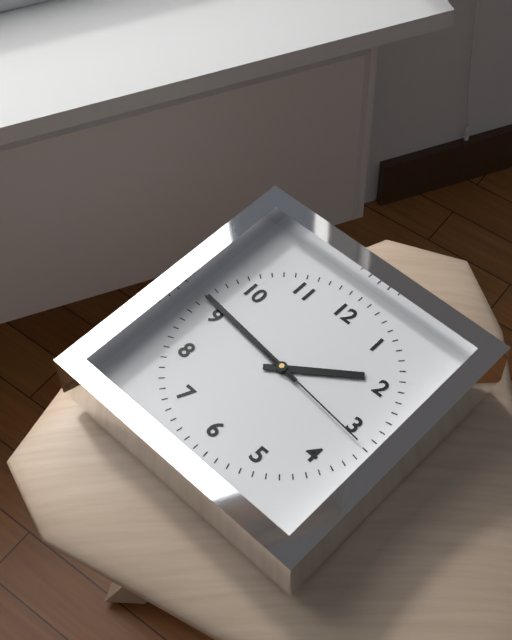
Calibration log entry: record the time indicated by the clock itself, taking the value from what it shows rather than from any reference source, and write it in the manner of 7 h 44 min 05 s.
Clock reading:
1 h 46 min 16 s
